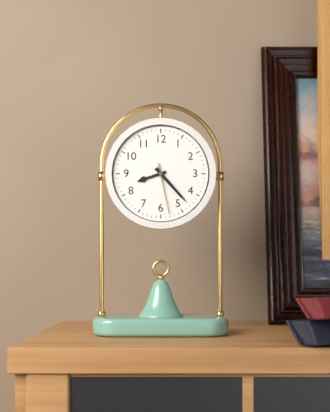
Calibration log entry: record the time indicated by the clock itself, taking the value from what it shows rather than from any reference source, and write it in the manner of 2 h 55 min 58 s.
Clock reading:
8 h 23 min 28 s
